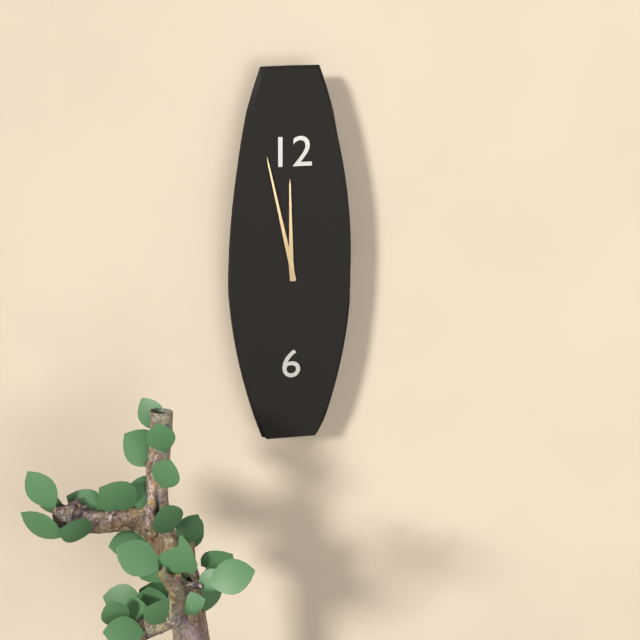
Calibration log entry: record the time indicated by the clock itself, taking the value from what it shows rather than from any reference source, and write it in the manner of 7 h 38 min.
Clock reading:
11 h 58 min
